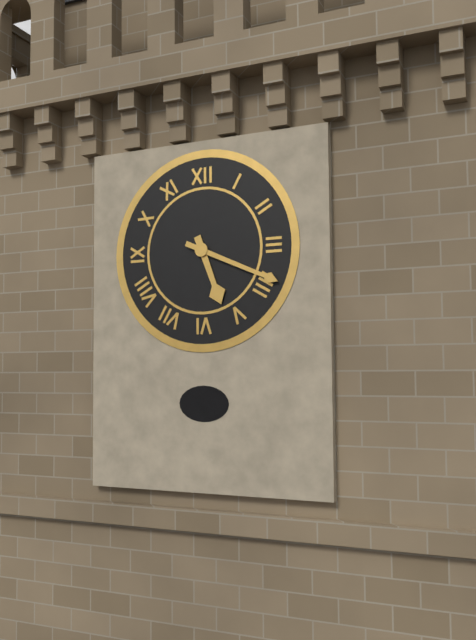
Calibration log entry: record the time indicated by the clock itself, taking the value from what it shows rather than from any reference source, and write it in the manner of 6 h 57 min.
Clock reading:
5 h 19 min
